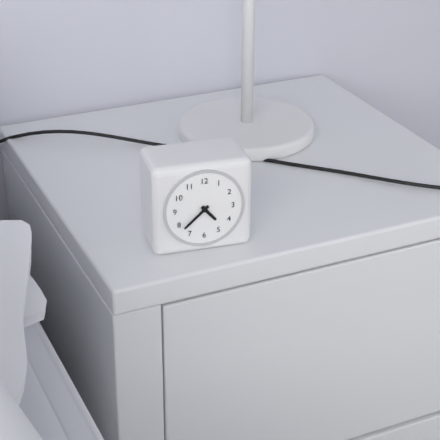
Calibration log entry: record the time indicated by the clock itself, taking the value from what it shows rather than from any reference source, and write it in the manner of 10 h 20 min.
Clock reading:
4 h 38 min
